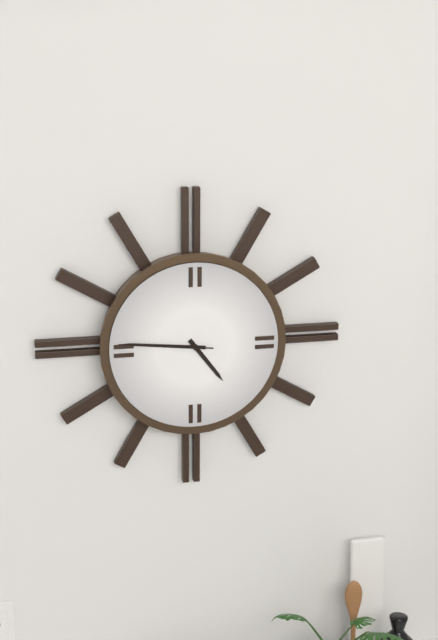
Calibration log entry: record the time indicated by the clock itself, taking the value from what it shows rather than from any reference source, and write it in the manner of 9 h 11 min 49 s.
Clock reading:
4 h 46 min 46 s
